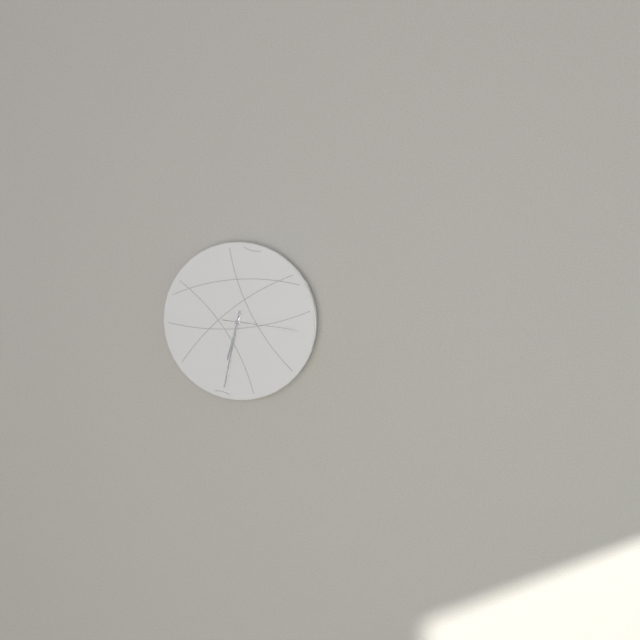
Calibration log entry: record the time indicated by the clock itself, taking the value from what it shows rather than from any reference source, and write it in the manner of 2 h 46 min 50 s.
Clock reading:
6 h 32 min 16 s
